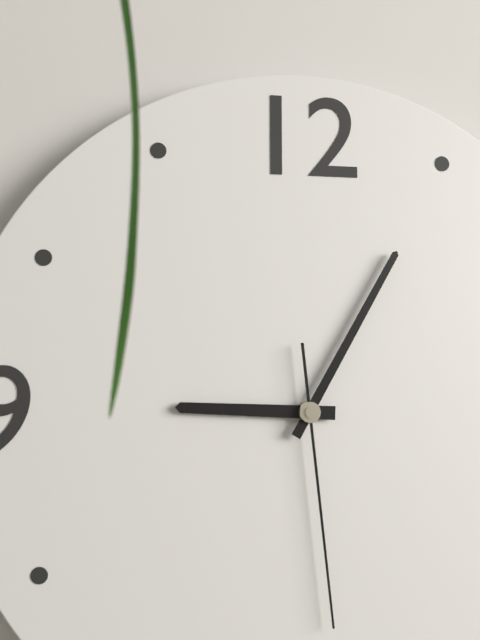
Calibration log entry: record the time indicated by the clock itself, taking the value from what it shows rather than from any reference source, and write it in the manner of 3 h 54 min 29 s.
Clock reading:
9 h 05 min 29 s
